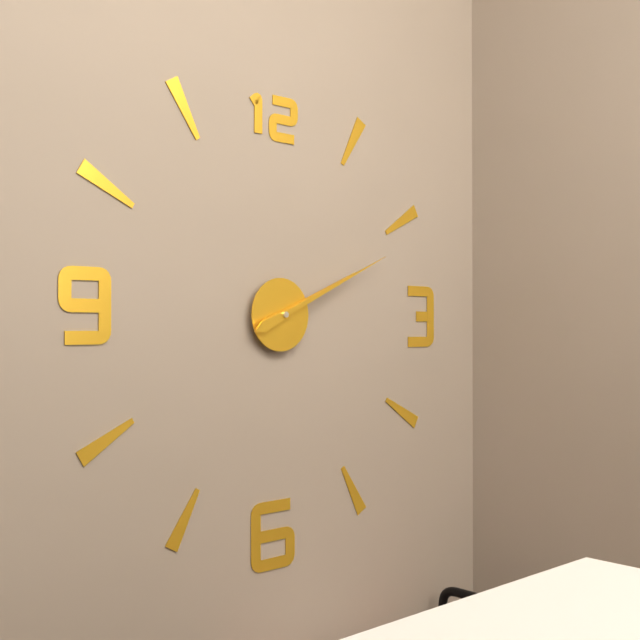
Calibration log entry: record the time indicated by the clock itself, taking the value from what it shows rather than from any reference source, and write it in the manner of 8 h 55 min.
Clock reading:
2 h 11 min
